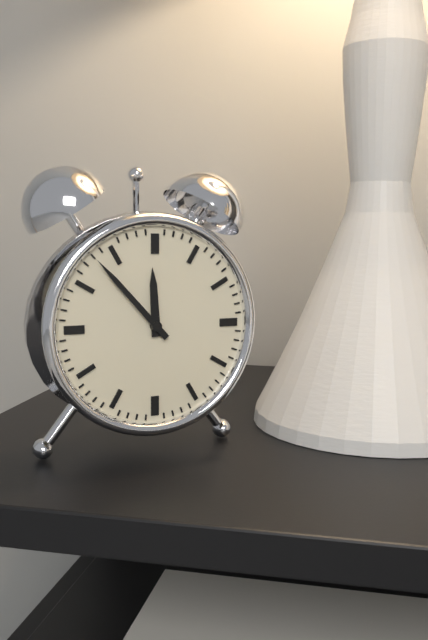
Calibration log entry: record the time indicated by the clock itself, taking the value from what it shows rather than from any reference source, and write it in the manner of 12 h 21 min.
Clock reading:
11 h 53 min
